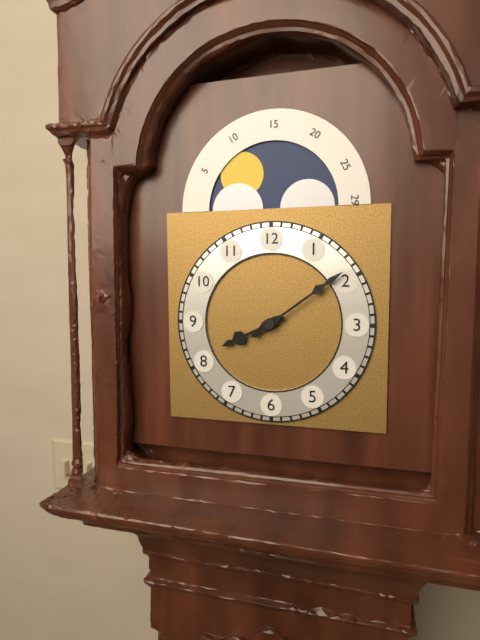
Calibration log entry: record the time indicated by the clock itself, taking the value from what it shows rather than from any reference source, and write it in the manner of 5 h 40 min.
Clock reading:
8 h 09 min
